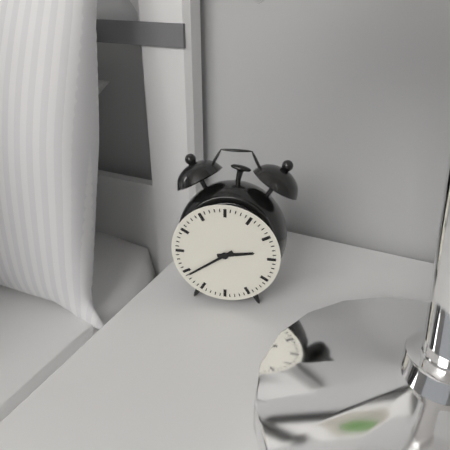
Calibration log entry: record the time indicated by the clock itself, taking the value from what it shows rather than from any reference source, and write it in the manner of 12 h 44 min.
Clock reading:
2 h 39 min
